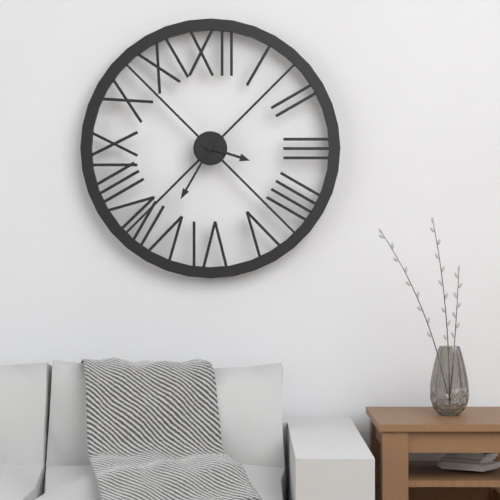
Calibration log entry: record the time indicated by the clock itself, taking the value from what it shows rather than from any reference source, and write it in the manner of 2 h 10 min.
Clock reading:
3 h 35 min
